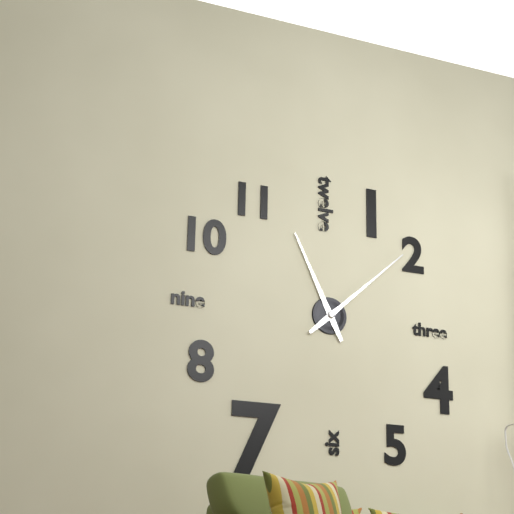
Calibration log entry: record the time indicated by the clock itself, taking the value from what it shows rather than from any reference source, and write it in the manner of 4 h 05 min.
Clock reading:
11 h 08 min
